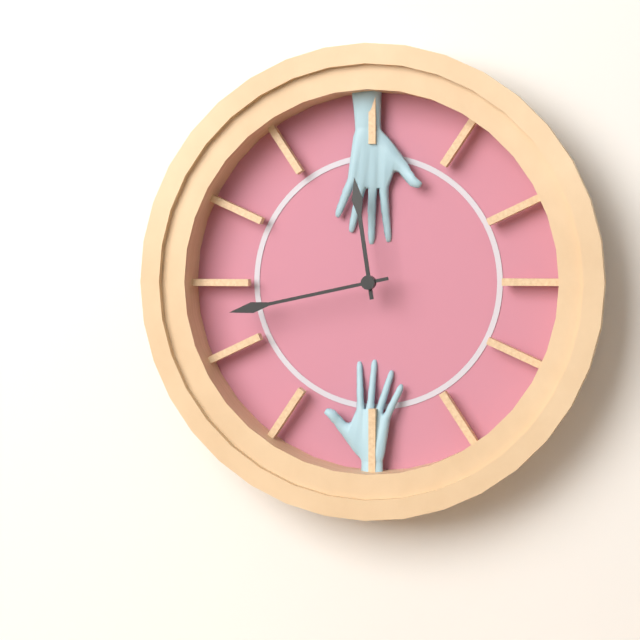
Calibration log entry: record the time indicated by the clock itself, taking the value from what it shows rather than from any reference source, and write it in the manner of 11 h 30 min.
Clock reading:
11 h 43 min
